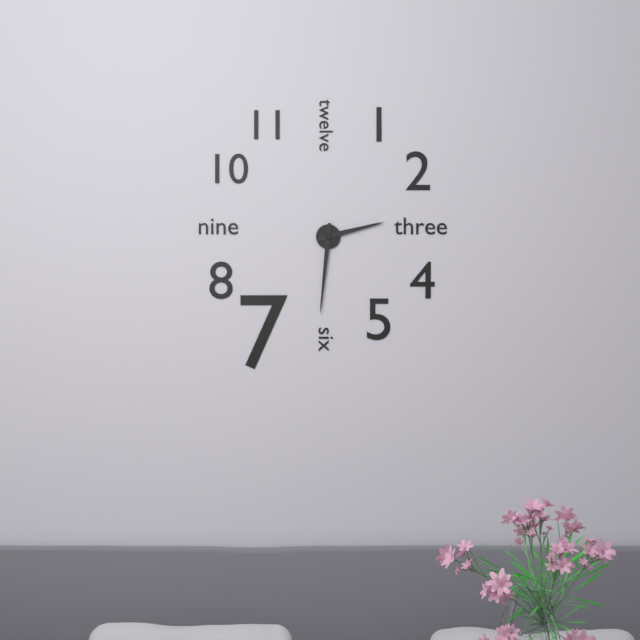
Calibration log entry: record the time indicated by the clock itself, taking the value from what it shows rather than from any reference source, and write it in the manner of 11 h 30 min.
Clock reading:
2 h 31 min
